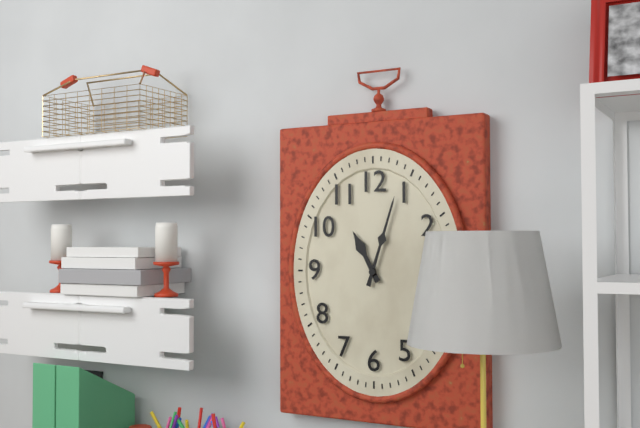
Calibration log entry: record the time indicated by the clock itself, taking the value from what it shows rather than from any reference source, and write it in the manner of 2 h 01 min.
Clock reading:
11 h 03 min
